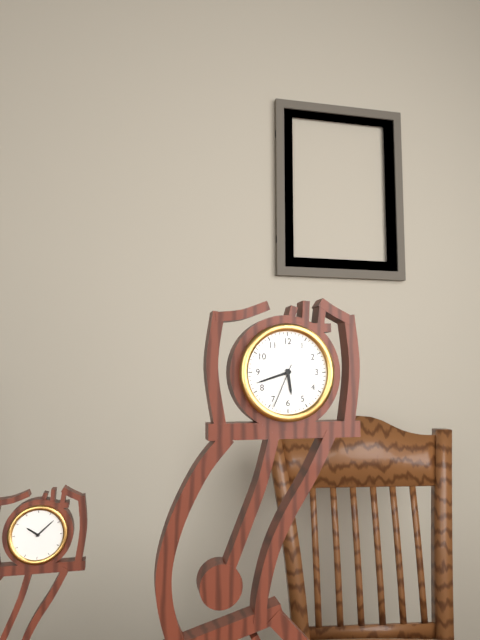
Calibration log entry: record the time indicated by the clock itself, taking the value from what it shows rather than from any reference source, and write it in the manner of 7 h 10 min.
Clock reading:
5 h 42 min
